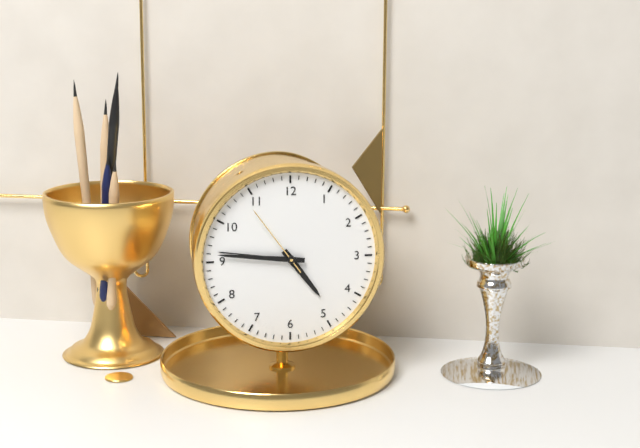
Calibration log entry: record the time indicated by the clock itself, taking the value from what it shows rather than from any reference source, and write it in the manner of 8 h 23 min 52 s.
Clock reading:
4 h 46 min 54 s
